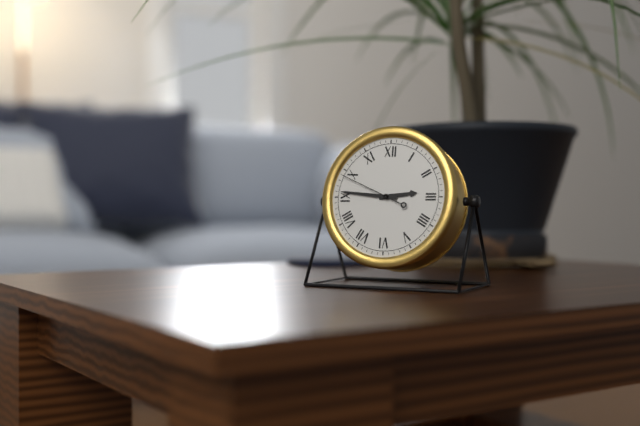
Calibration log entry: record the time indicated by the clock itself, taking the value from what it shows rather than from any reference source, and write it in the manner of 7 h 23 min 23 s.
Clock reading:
2 h 46 min 49 s
